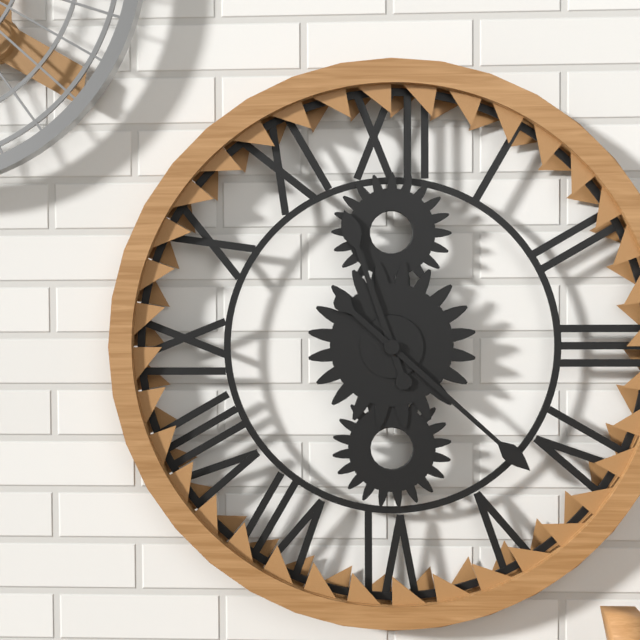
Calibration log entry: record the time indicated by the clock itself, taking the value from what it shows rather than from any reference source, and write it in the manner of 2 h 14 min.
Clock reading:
11 h 22 min
